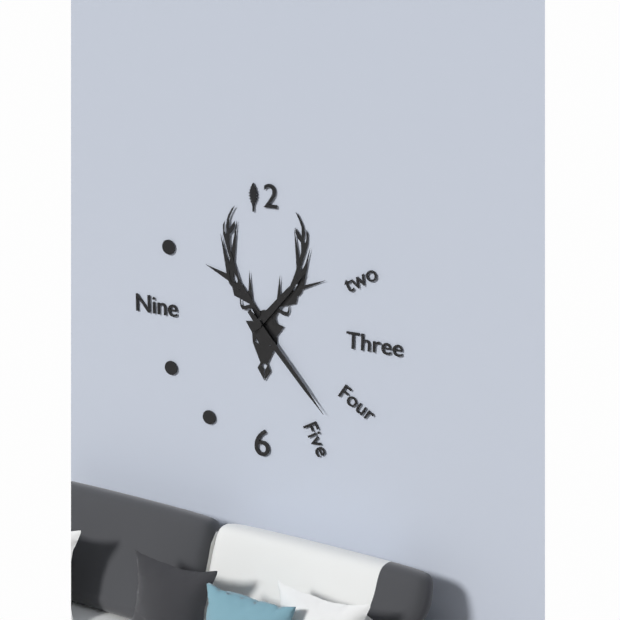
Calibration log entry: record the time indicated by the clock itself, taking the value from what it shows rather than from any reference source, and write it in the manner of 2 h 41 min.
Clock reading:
1 h 23 min
